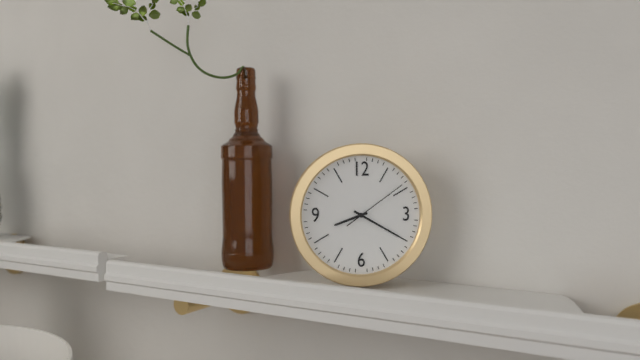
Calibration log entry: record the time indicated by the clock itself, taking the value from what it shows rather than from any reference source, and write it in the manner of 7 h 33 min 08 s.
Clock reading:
8 h 20 min 09 s
